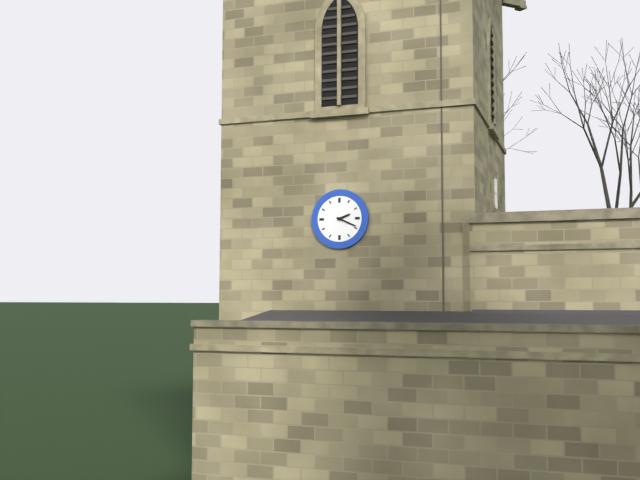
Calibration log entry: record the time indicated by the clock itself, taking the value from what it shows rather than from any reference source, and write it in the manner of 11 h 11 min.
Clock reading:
2 h 19 min
